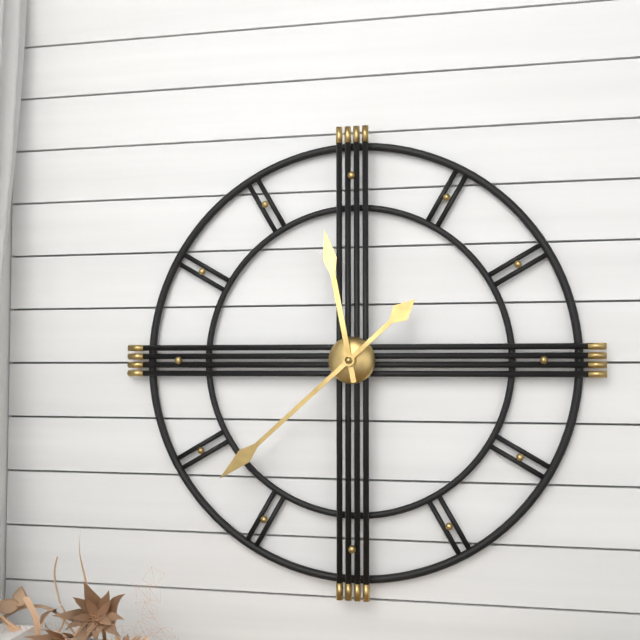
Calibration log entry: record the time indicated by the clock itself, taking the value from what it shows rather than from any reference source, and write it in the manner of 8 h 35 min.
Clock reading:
11 h 38 min
